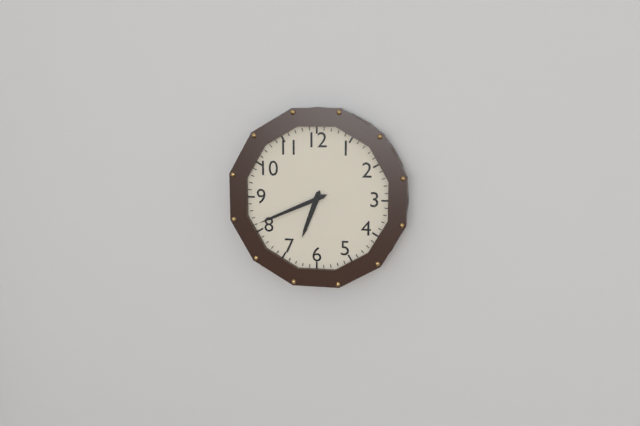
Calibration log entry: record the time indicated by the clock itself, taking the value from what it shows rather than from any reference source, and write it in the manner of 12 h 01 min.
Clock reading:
6 h 41 min
